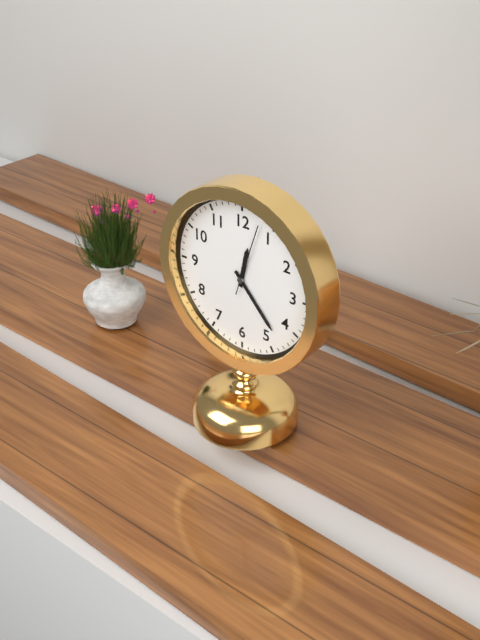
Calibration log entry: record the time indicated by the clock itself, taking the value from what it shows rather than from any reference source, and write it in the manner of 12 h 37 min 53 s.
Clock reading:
12 h 23 min 03 s
